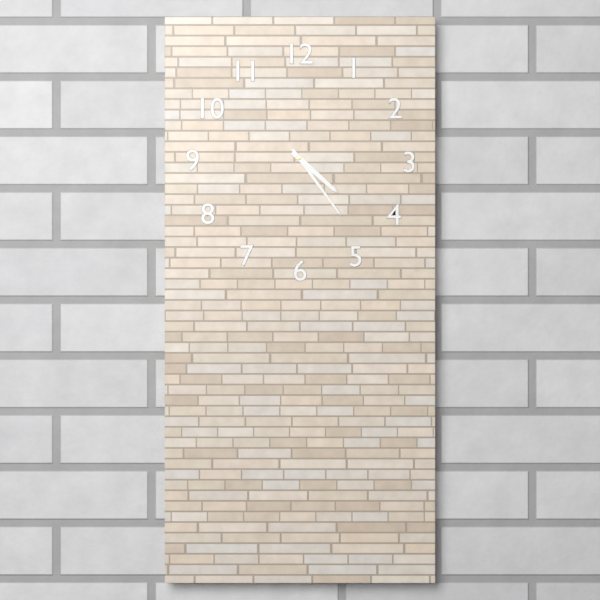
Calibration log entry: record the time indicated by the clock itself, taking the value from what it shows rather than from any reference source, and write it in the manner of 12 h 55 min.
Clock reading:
4 h 24 min
